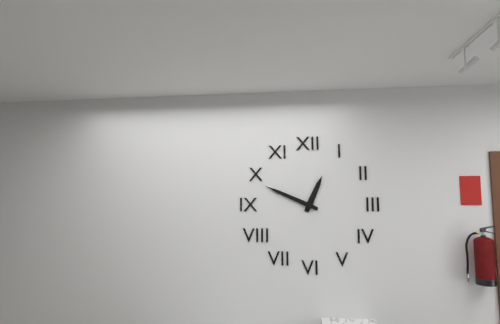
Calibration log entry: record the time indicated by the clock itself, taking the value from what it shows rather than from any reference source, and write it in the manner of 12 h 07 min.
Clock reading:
12 h 49 min
